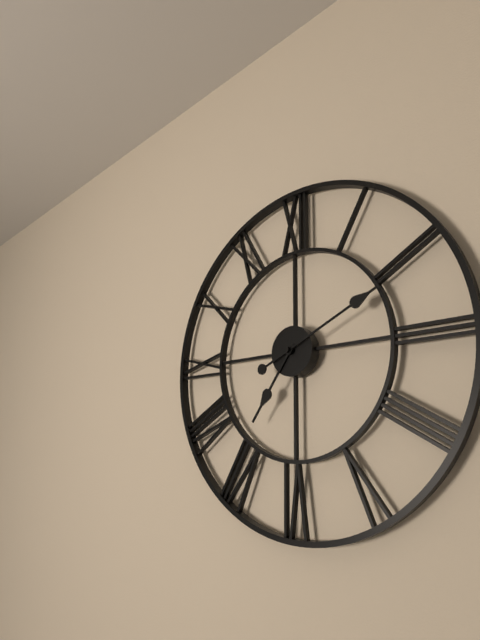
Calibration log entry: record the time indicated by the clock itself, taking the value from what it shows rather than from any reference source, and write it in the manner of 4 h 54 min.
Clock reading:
7 h 11 min
